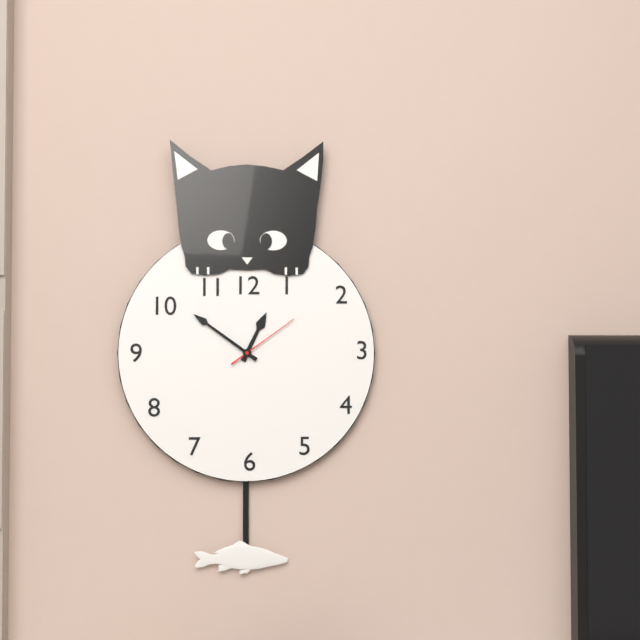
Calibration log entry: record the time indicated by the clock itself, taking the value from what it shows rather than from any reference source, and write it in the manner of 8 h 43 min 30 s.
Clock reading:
12 h 51 min 09 s
